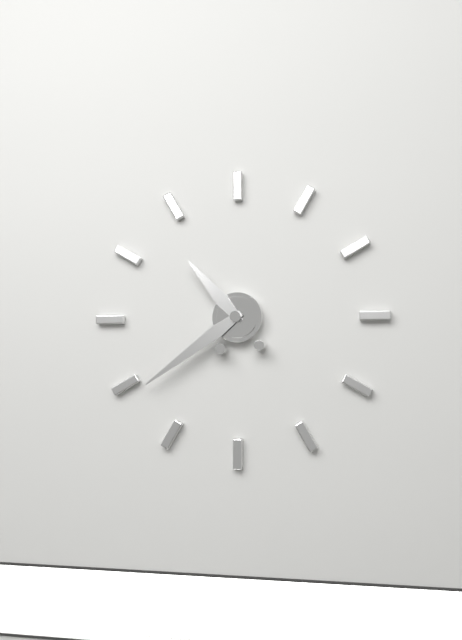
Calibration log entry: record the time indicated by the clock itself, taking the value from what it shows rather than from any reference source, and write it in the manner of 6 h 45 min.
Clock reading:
10 h 39 min
